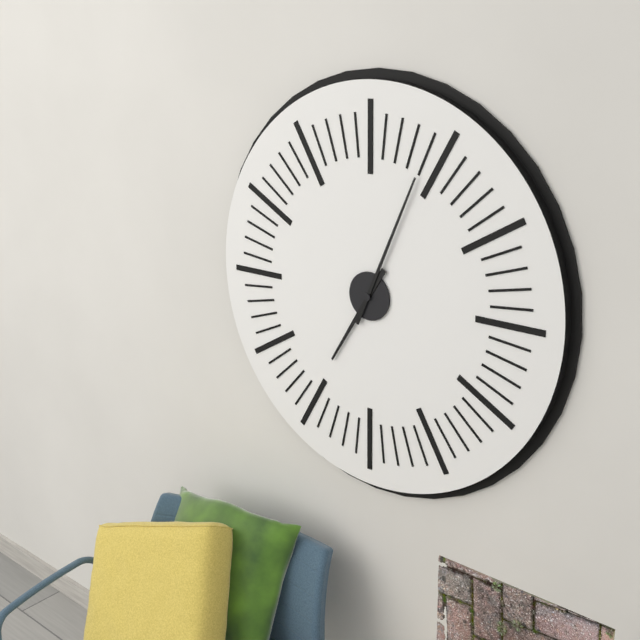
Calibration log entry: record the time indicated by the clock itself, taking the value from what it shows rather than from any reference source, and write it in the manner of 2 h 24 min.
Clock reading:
7 h 04 min
